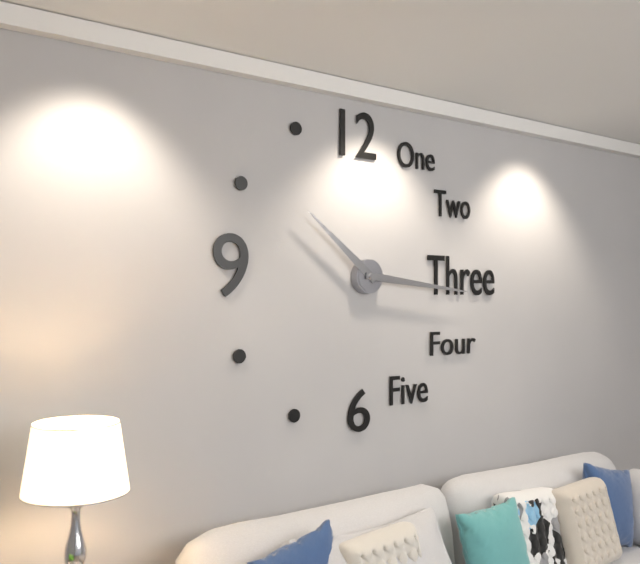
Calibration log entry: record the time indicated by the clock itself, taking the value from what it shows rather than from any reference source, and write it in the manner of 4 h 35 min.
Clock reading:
10 h 16 min
